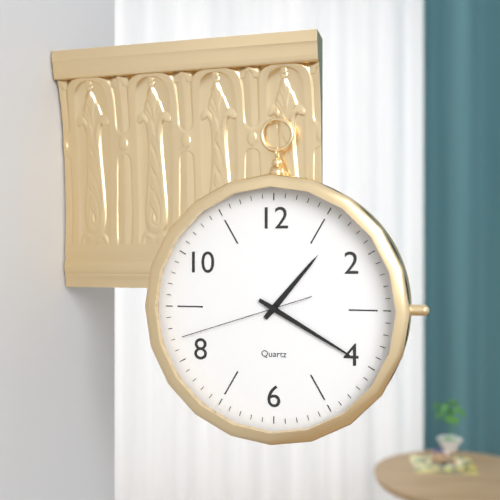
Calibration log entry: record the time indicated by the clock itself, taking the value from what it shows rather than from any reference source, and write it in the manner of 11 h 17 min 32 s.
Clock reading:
1 h 20 min 42 s
